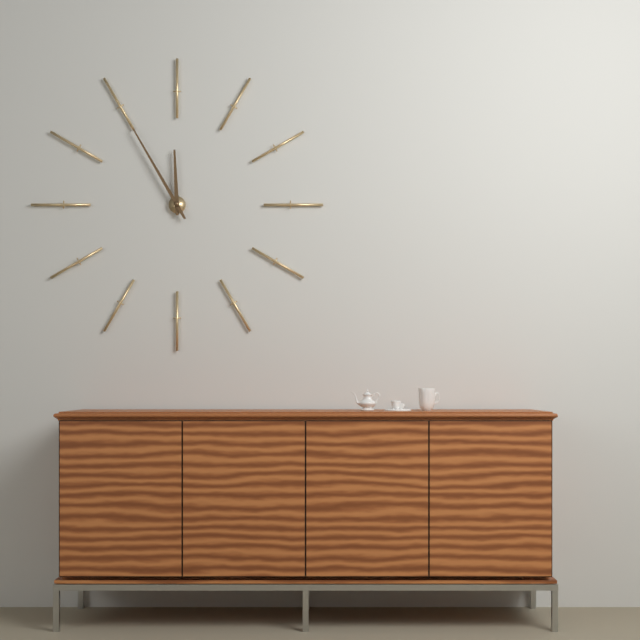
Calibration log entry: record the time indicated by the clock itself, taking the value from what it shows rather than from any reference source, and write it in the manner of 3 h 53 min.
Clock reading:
11 h 55 min
